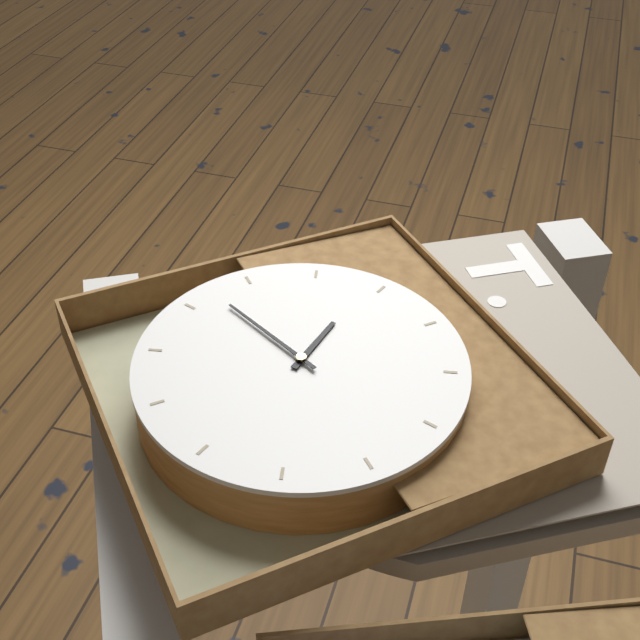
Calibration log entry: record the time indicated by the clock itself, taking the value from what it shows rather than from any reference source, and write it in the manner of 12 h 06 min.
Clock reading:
11 h 47 min
